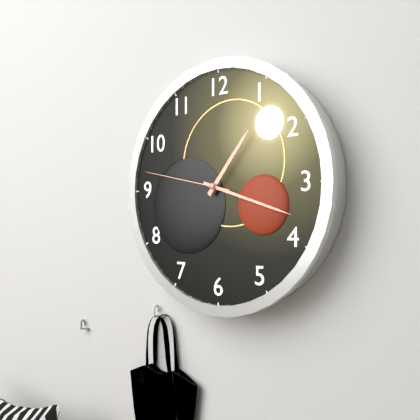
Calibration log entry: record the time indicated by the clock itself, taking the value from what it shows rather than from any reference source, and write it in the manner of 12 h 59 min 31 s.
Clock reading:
1 h 18 min 47 s
